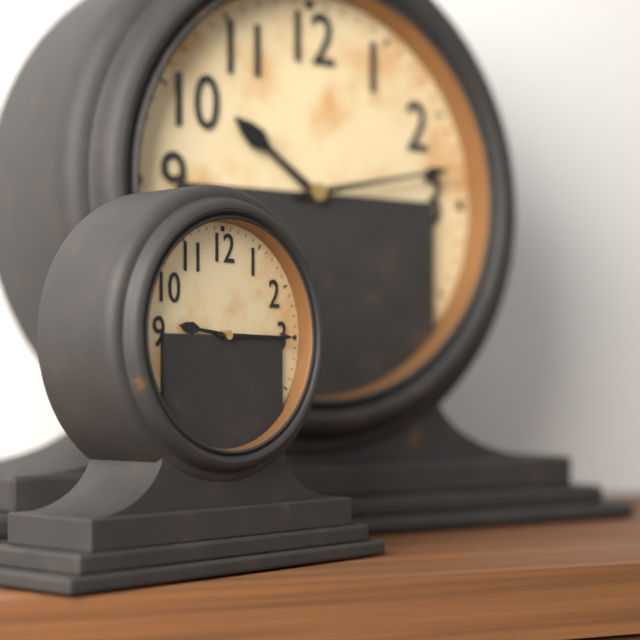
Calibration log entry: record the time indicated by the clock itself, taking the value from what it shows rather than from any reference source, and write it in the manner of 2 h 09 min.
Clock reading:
9 h 15 min
